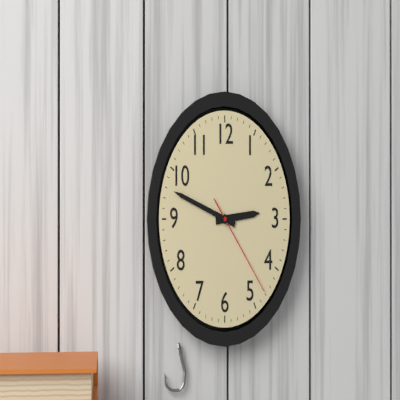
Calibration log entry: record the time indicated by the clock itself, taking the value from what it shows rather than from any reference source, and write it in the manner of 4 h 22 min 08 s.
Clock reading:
2 h 48 min 23 s
